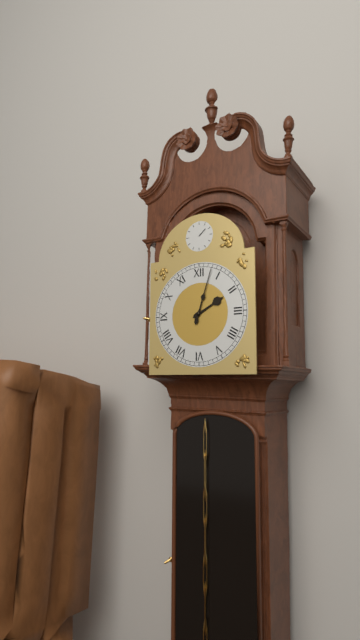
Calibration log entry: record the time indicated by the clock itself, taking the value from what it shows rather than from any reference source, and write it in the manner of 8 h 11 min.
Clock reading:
2 h 03 min
